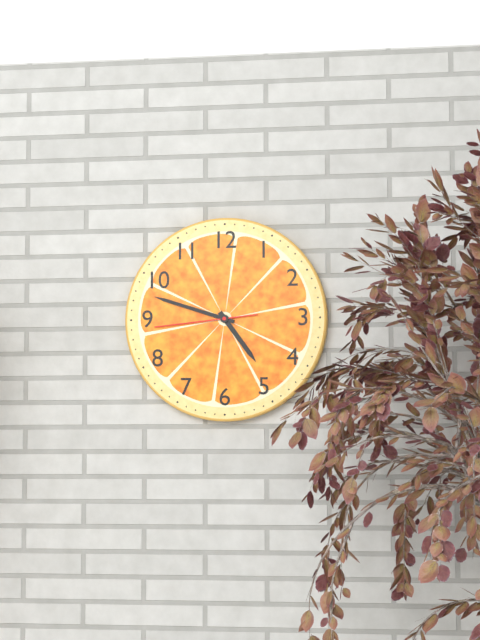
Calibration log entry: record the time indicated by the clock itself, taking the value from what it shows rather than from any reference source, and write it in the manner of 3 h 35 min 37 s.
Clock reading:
4 h 48 min 44 s
